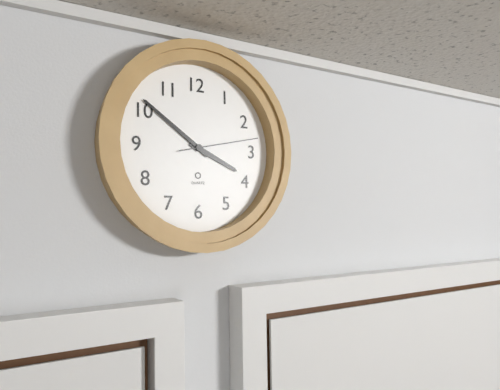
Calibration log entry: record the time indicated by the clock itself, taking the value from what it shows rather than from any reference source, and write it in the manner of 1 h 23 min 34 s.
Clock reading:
3 h 51 min 13 s
